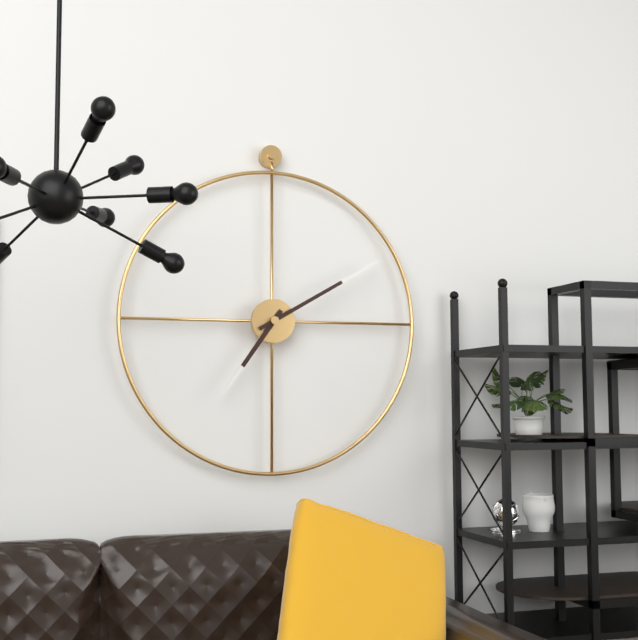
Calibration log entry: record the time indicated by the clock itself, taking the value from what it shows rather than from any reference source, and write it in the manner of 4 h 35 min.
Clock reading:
7 h 10 min
